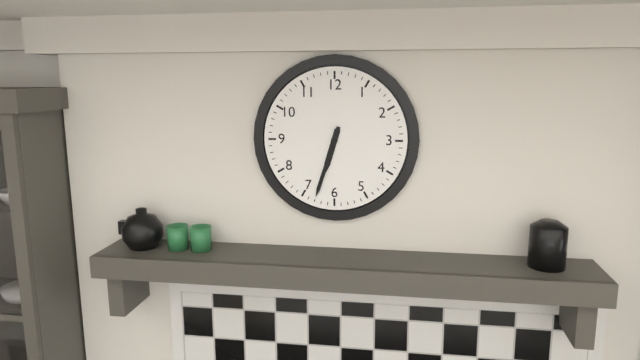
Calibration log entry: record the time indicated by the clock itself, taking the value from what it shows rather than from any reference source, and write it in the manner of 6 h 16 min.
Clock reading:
6 h 33 min
